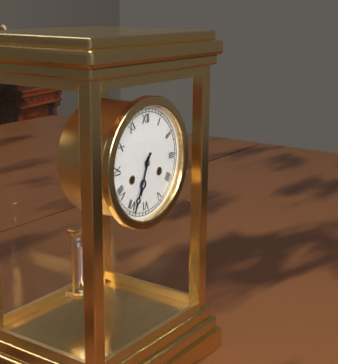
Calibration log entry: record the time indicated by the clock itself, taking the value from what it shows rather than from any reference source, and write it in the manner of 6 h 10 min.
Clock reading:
6 h 34 min
